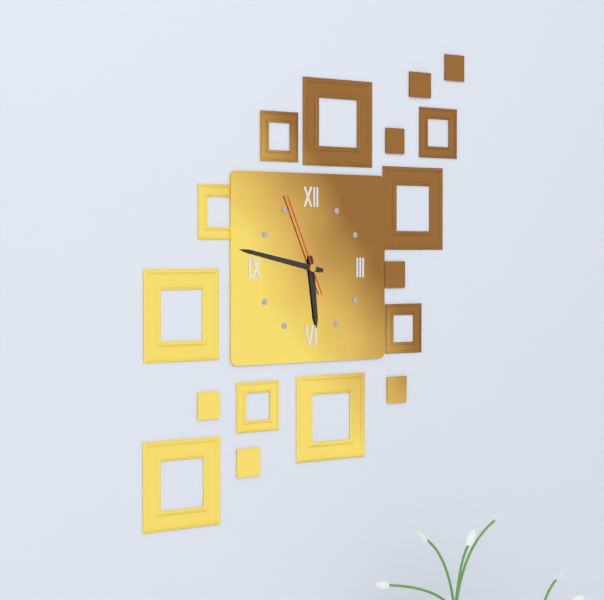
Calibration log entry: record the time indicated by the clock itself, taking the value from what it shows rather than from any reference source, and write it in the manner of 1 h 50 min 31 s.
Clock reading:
5 h 47 min 56 s
